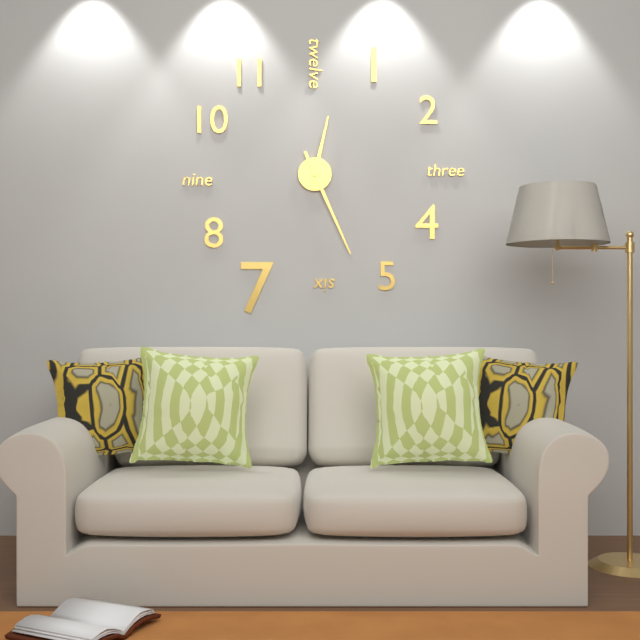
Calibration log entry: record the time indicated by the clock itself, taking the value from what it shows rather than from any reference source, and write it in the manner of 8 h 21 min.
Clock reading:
12 h 26 min
